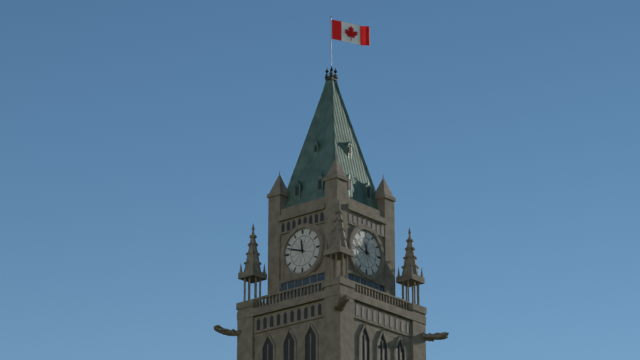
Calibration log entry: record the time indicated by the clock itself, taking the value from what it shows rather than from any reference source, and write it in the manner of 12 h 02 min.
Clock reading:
11 h 48 min
